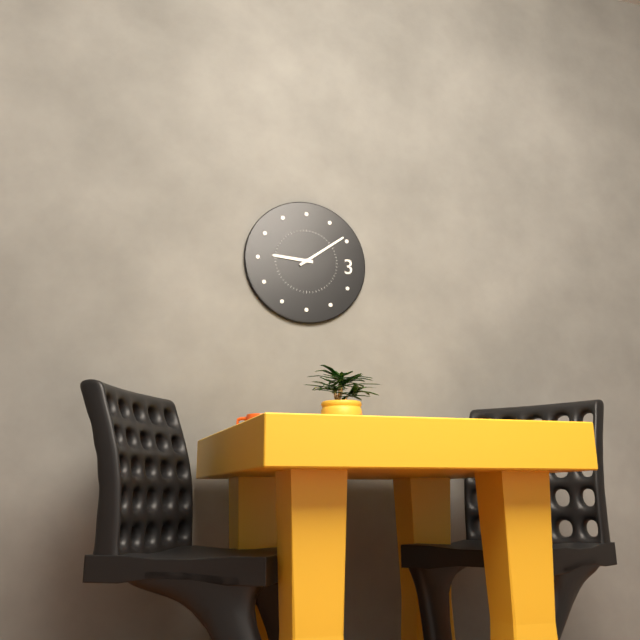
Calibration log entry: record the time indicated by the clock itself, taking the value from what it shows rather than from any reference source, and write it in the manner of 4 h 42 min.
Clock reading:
9 h 09 min
